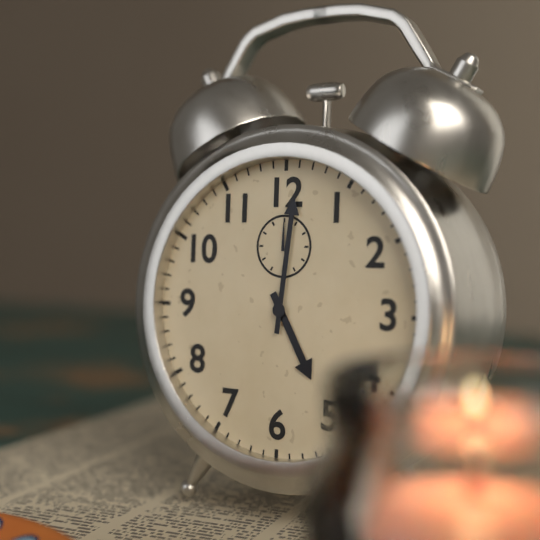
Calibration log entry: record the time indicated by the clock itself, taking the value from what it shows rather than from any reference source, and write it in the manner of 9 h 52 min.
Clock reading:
5 h 01 min
